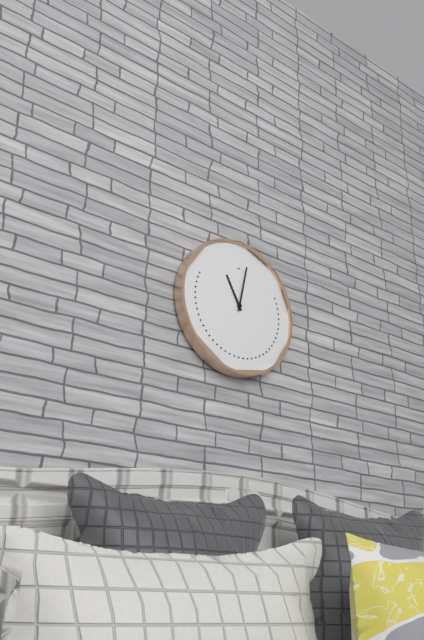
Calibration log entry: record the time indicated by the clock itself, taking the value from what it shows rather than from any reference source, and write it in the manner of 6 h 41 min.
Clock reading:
11 h 02 min
